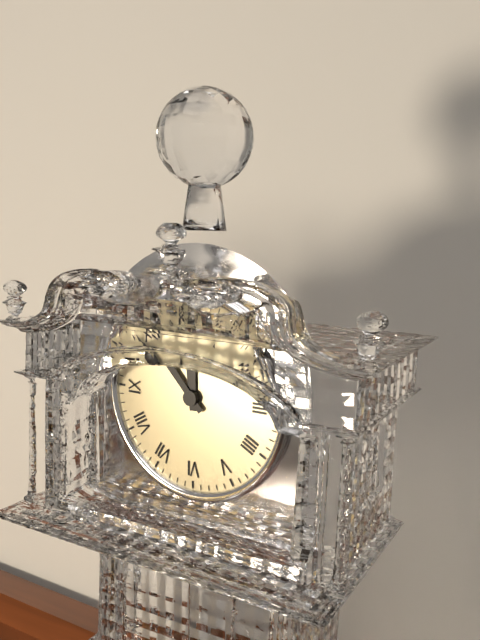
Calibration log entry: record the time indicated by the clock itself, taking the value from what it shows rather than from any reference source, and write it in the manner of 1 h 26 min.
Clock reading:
11 h 53 min
